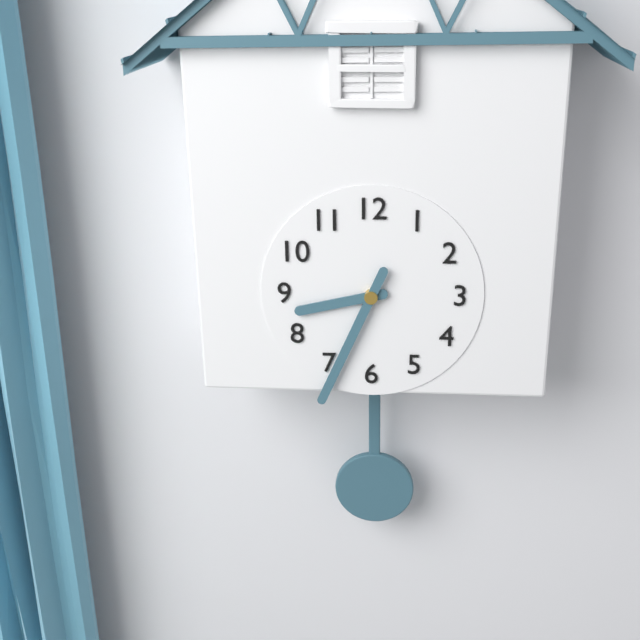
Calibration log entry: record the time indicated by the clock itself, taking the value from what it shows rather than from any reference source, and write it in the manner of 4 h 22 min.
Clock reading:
8 h 34 min
